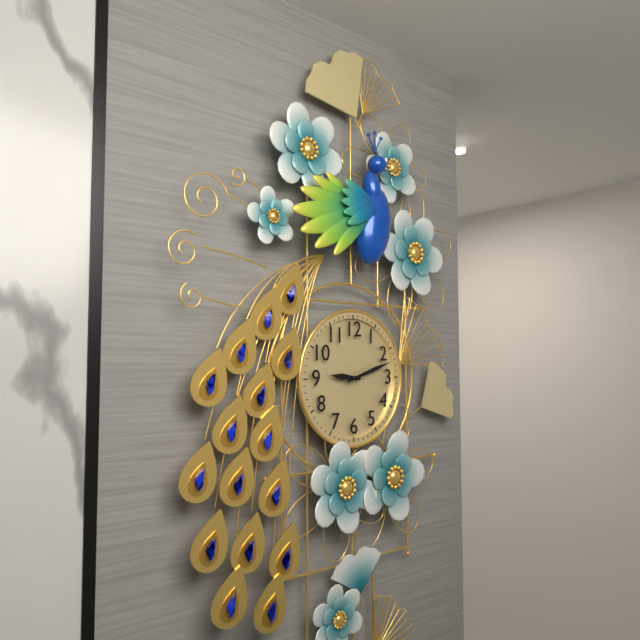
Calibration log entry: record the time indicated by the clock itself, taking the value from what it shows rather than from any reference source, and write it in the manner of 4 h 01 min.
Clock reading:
9 h 12 min
